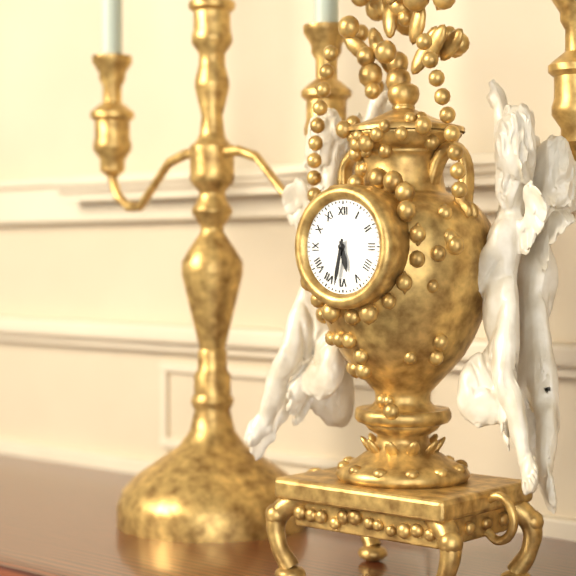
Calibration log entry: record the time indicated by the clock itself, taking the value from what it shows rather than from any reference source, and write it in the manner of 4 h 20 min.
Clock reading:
5 h 32 min
